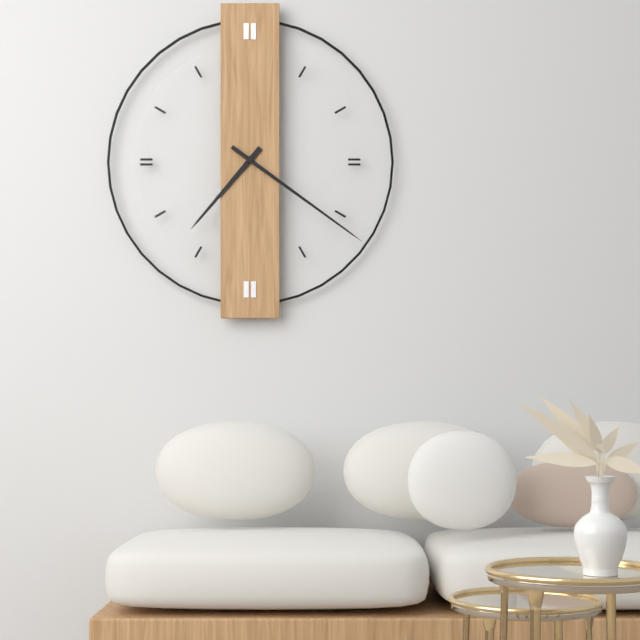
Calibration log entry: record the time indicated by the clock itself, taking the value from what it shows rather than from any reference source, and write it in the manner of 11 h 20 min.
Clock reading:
7 h 21 min
